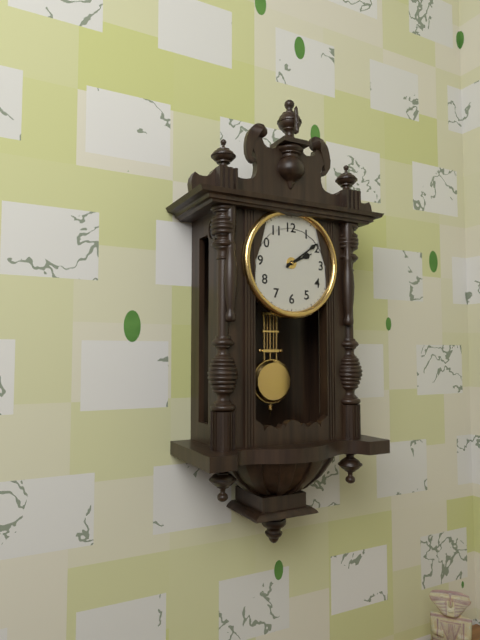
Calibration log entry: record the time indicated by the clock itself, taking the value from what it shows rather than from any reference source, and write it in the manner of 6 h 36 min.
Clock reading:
2 h 09 min
